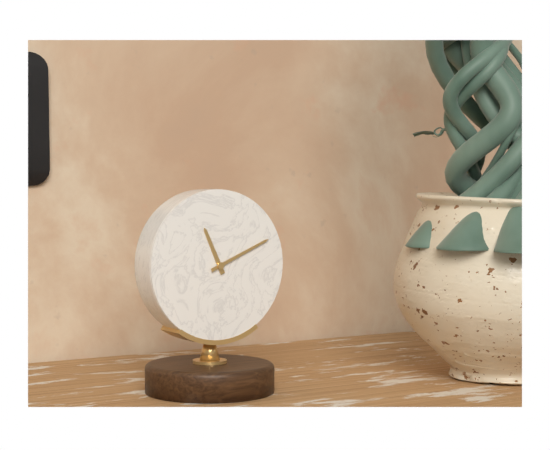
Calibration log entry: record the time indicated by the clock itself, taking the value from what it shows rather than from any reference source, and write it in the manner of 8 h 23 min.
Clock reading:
11 h 11 min
